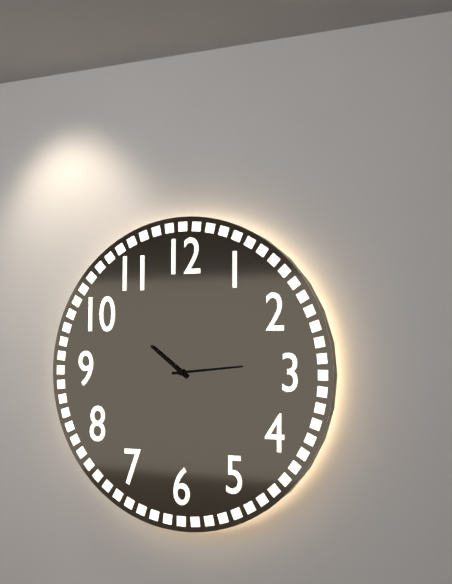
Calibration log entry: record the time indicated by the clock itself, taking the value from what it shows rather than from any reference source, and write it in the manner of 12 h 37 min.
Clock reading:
10 h 14 min
